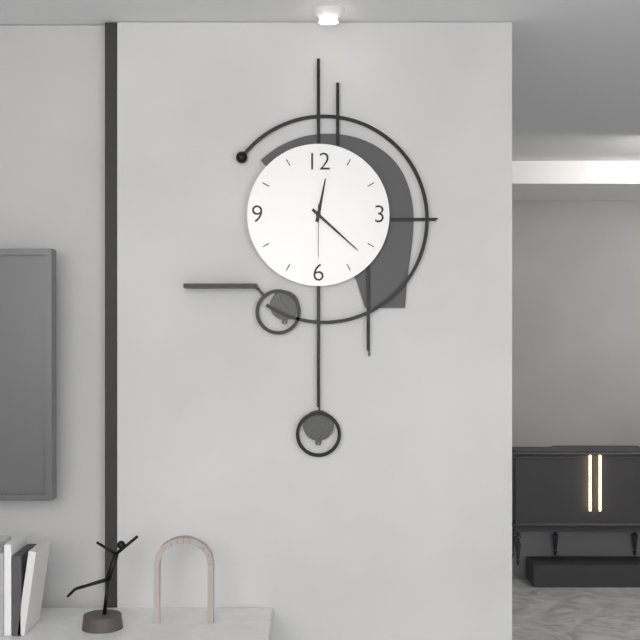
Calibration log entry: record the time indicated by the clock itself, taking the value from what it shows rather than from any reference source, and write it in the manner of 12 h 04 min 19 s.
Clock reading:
12 h 22 min 30 s
